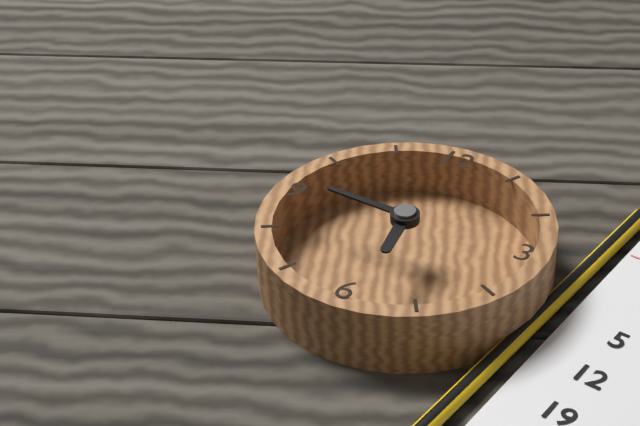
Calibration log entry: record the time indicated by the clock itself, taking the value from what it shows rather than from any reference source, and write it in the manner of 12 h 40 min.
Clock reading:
5 h 46 min
